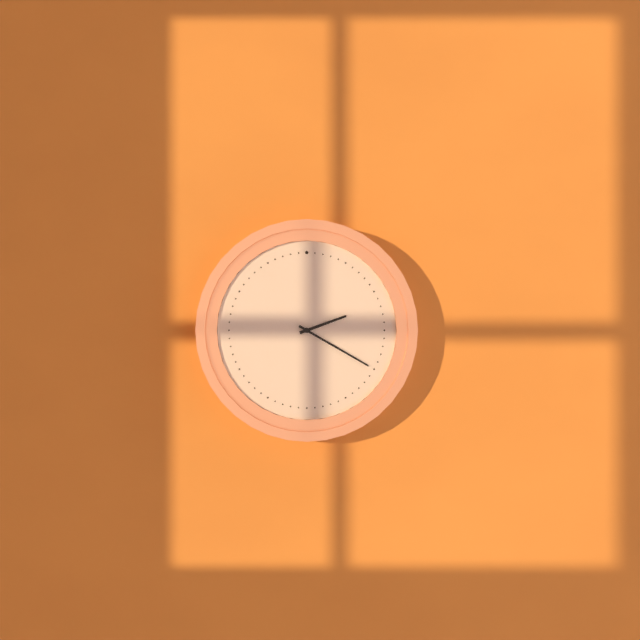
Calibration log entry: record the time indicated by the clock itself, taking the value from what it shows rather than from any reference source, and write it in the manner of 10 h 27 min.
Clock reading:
2 h 20 min
